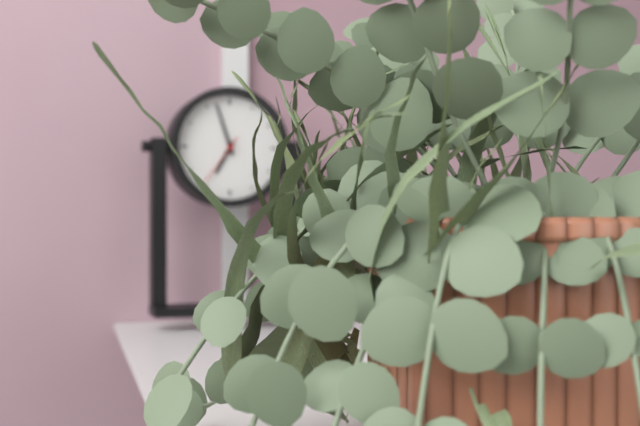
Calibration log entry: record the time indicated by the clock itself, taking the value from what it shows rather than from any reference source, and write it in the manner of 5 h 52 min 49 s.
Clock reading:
6 h 57 min 36 s
